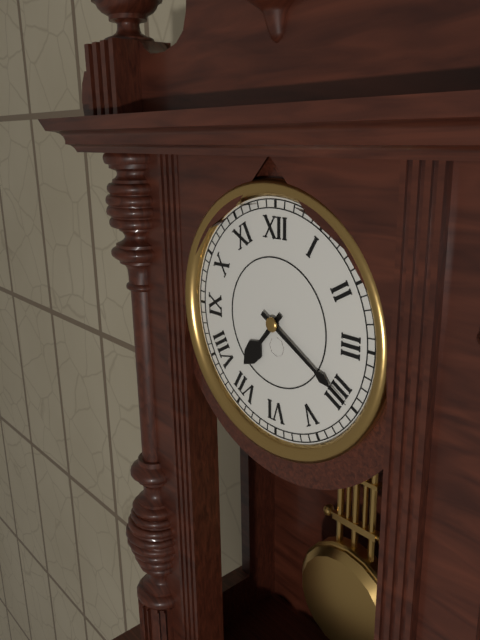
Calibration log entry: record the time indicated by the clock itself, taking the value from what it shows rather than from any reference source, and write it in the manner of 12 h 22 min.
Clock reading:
7 h 20 min
